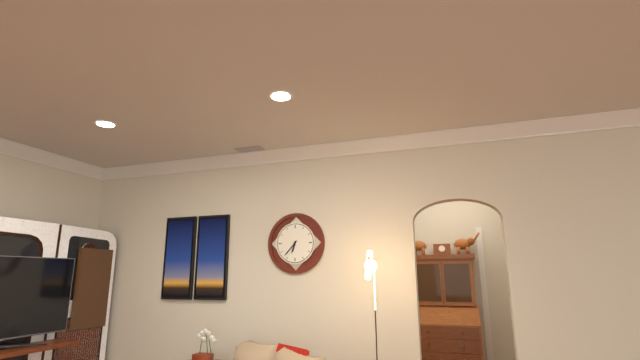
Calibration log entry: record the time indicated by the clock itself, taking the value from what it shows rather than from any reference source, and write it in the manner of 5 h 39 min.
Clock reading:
6 h 37 min
